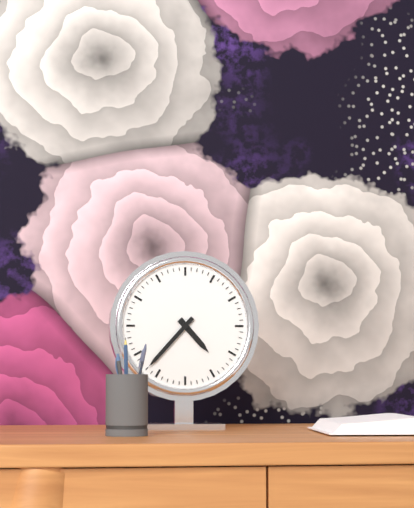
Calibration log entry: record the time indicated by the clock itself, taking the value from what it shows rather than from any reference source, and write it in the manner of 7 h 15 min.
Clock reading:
4 h 37 min
